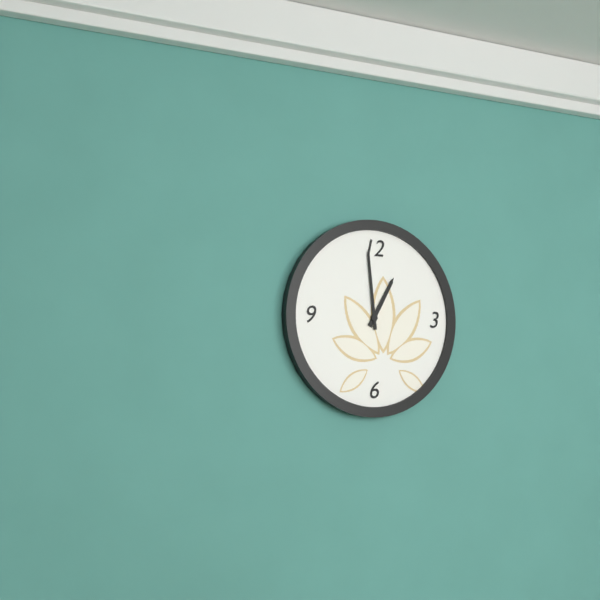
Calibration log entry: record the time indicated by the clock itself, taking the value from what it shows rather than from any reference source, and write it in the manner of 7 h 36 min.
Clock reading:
12 h 59 min
